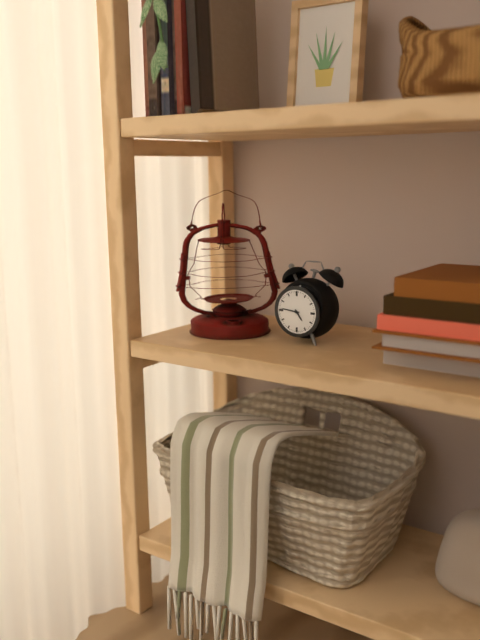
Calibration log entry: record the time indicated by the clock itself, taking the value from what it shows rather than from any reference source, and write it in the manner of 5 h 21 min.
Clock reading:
4 h 46 min
